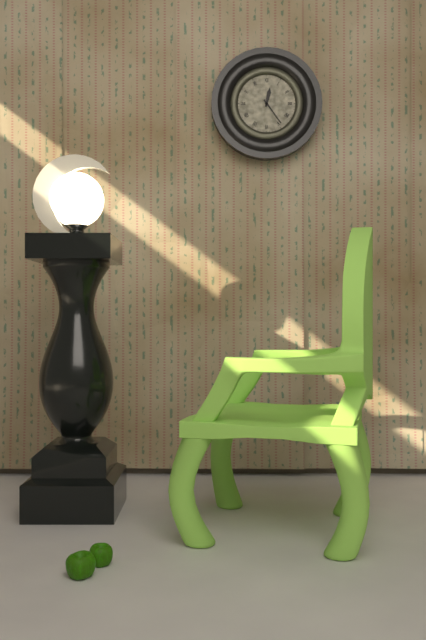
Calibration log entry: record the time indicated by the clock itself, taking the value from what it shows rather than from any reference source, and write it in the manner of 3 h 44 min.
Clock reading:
12 h 24 min
